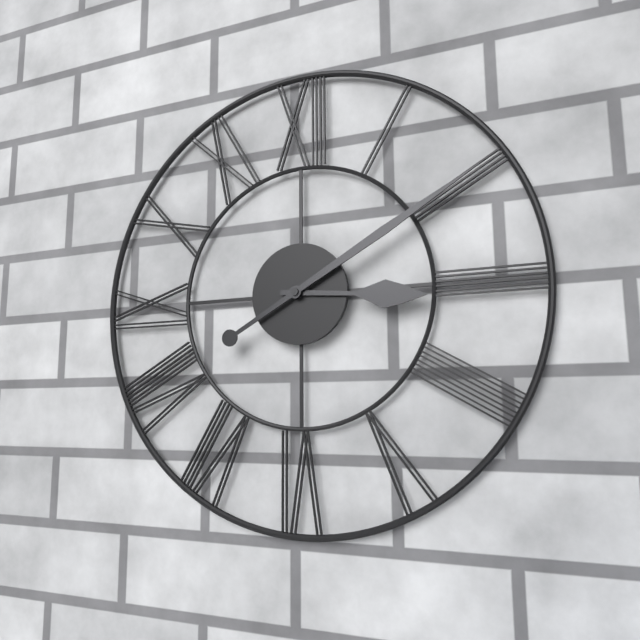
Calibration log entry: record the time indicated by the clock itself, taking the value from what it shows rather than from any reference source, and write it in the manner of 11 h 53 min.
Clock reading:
3 h 10 min
